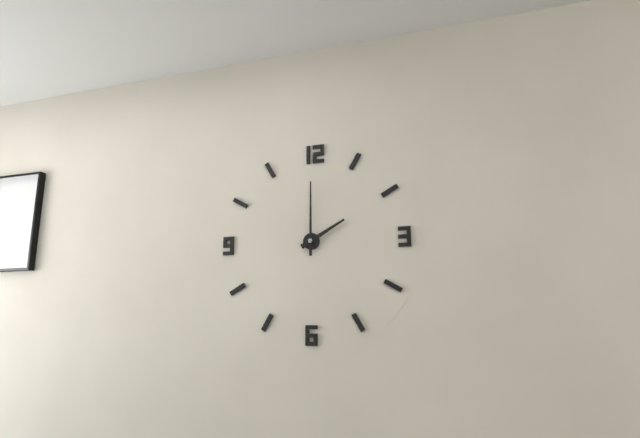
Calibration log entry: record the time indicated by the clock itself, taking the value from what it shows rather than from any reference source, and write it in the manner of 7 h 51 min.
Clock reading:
2 h 00 min
